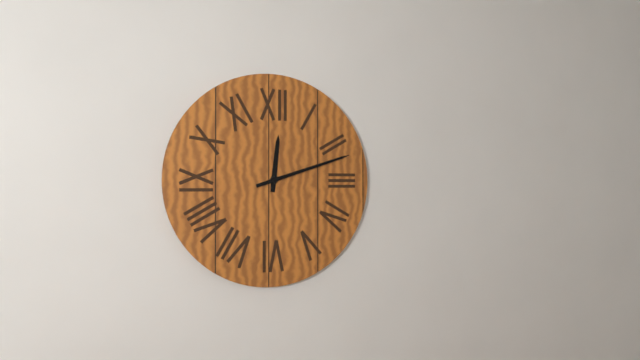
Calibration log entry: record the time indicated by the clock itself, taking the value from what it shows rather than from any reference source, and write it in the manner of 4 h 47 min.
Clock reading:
12 h 12 min
